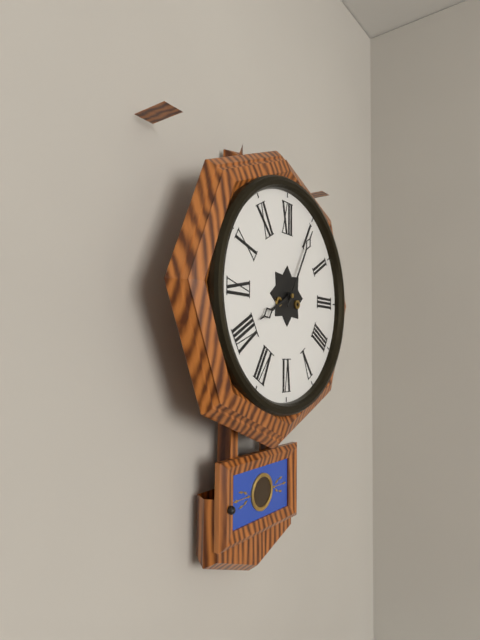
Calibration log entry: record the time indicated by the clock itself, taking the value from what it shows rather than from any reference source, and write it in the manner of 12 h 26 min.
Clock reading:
8 h 05 min
